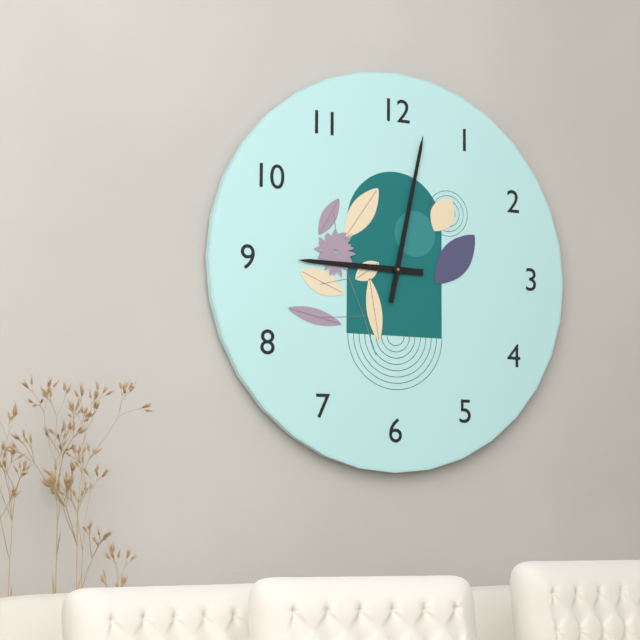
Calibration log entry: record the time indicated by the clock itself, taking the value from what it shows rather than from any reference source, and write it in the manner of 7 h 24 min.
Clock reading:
9 h 02 min
